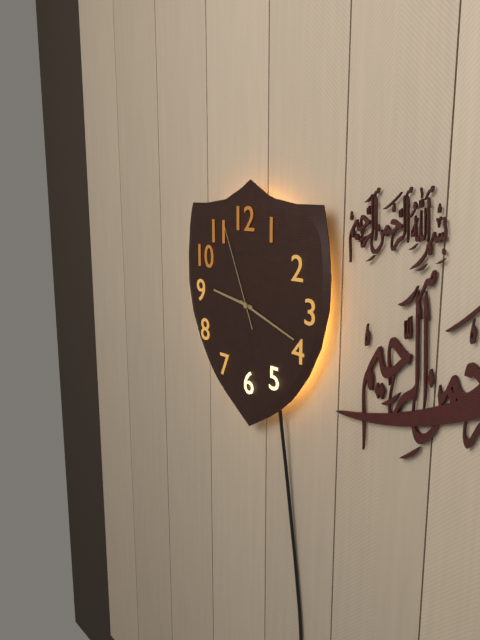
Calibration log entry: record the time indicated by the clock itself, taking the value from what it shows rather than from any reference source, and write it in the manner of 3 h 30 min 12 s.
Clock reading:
9 h 18 min 56 s
